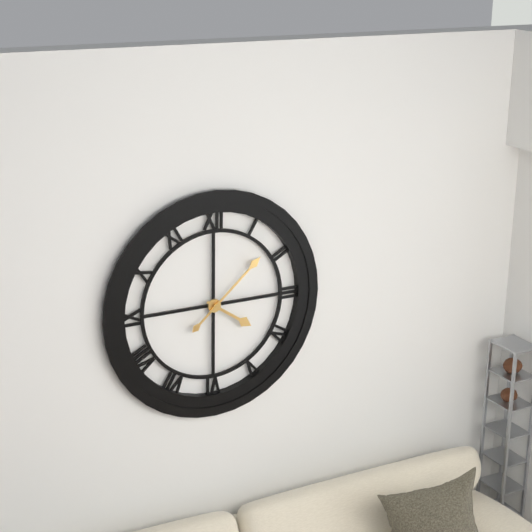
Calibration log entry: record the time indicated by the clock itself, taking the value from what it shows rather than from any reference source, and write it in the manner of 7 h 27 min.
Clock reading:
4 h 08 min
